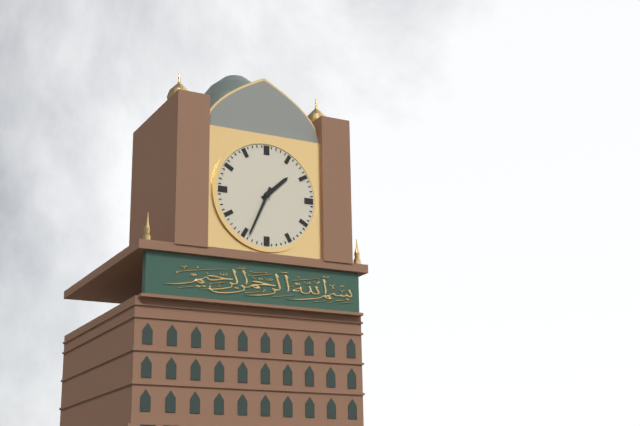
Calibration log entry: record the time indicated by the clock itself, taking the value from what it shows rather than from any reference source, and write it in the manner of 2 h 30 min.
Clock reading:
1 h 34 min
